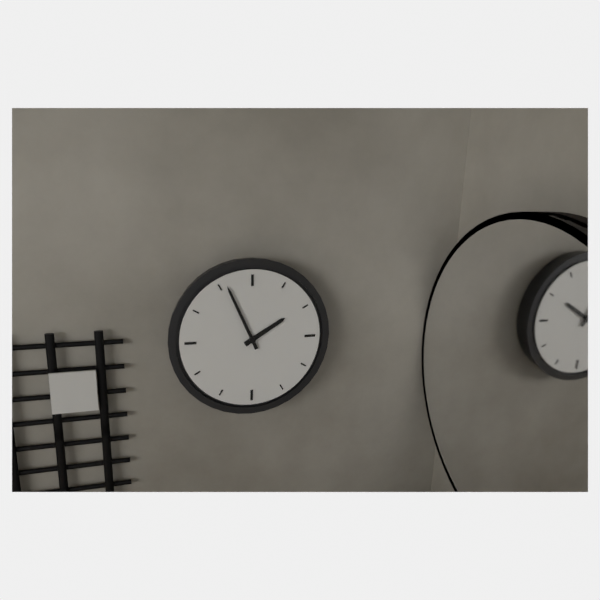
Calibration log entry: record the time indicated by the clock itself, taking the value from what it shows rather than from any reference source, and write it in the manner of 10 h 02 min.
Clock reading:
1 h 56 min
